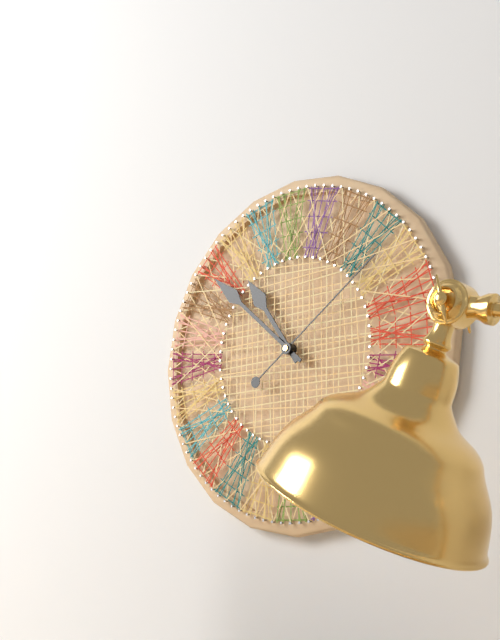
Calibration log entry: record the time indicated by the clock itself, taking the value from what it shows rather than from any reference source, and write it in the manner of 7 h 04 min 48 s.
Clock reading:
10 h 52 min 09 s
